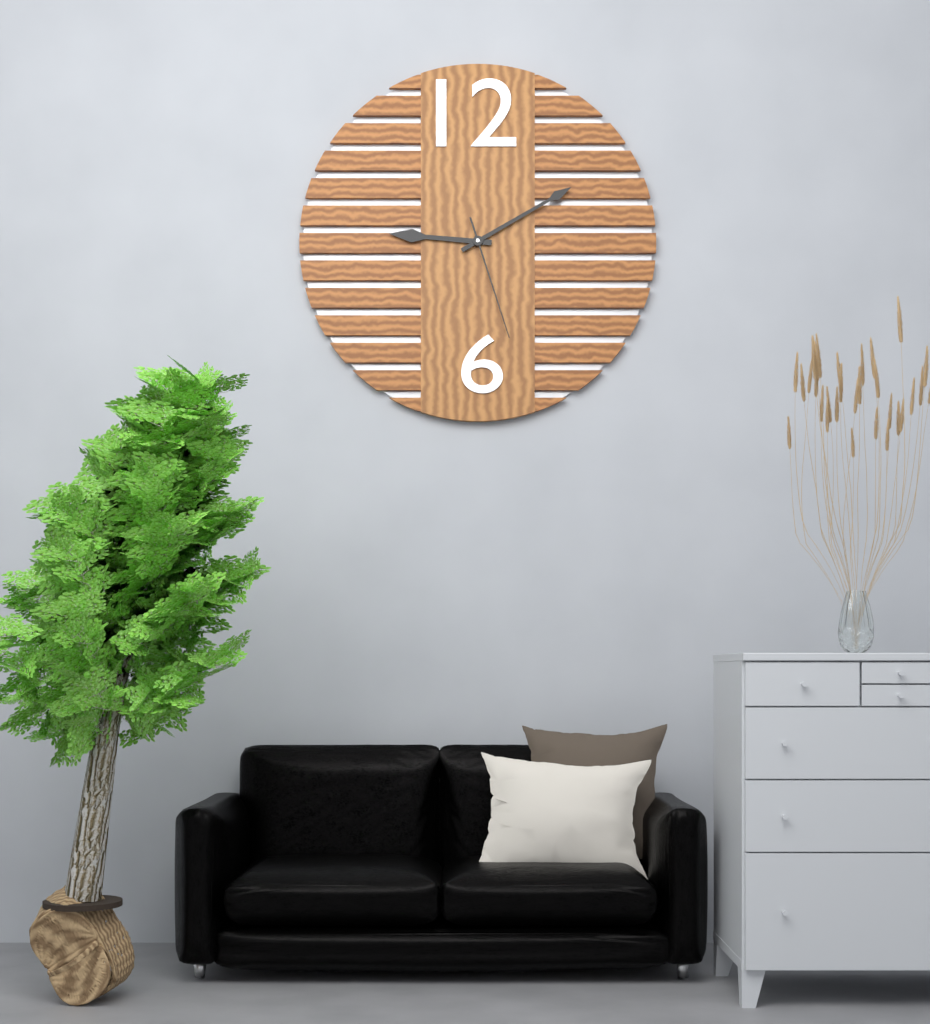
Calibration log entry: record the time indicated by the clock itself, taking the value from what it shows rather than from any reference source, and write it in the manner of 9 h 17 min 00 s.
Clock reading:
9 h 10 min 27 s
